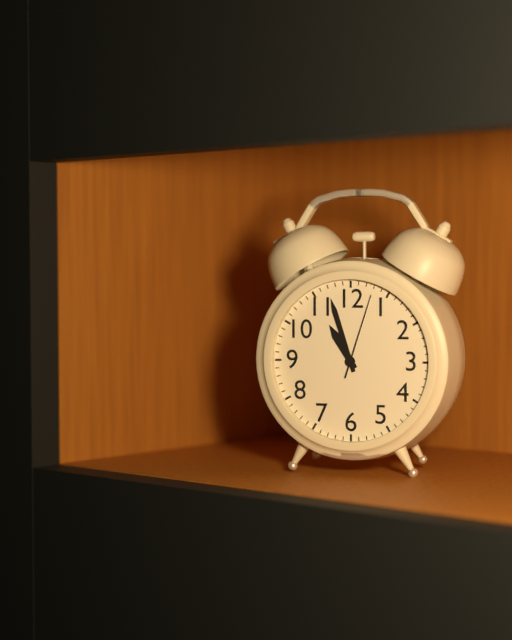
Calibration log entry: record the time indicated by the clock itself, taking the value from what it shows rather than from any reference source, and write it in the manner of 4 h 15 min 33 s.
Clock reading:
10 h 57 min 03 s
